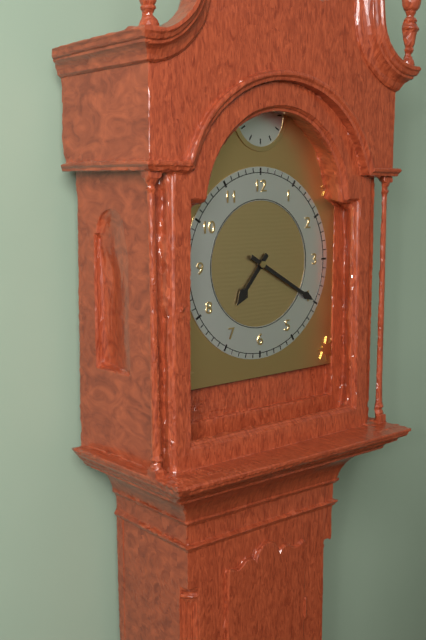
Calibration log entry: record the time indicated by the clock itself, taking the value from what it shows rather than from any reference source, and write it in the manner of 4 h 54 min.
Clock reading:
7 h 20 min
